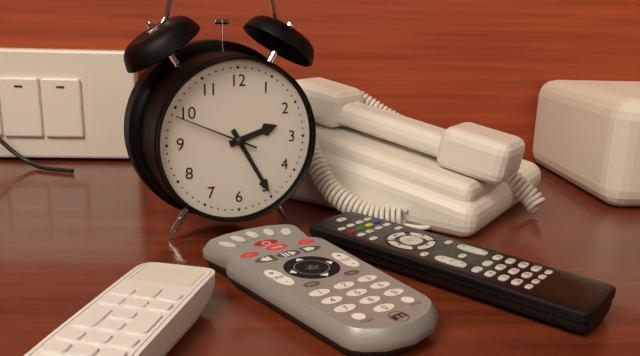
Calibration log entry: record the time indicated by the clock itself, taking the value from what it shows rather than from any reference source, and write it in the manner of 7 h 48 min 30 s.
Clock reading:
2 h 25 min 49 s
